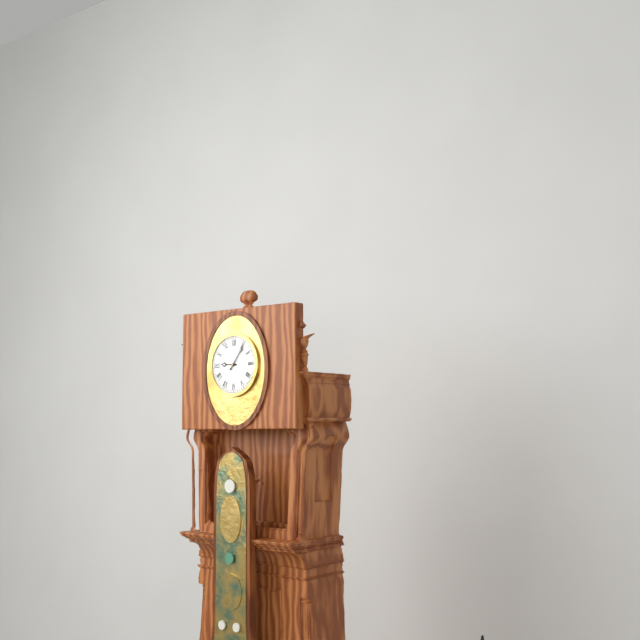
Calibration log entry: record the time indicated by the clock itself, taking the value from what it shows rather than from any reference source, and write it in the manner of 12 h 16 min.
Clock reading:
9 h 06 min
